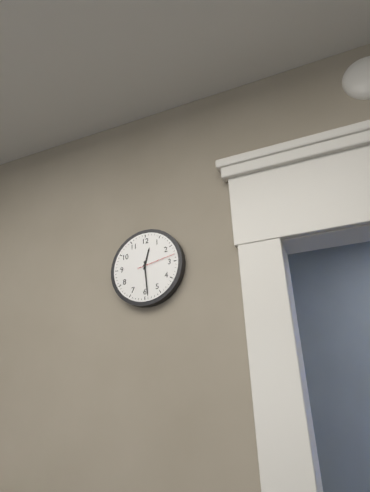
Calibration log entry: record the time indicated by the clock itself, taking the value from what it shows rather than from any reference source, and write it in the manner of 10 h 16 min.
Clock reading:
12 h 29 min
